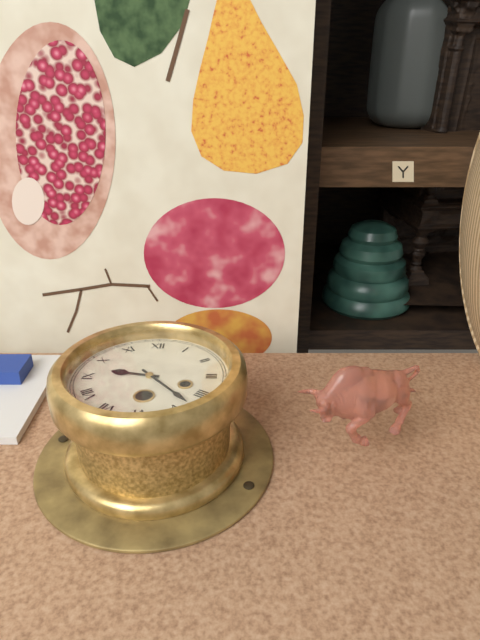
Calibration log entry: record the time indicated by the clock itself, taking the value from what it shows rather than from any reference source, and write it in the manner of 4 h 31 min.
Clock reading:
9 h 23 min
